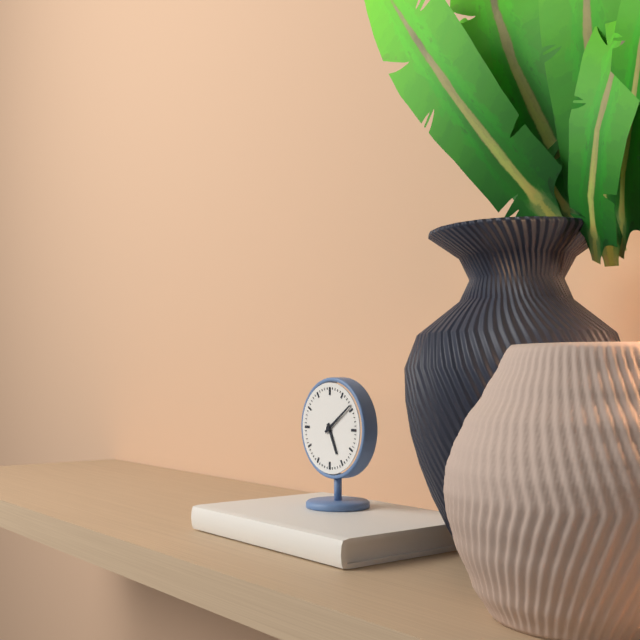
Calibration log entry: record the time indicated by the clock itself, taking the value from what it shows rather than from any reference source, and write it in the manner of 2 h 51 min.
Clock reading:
5 h 09 min
